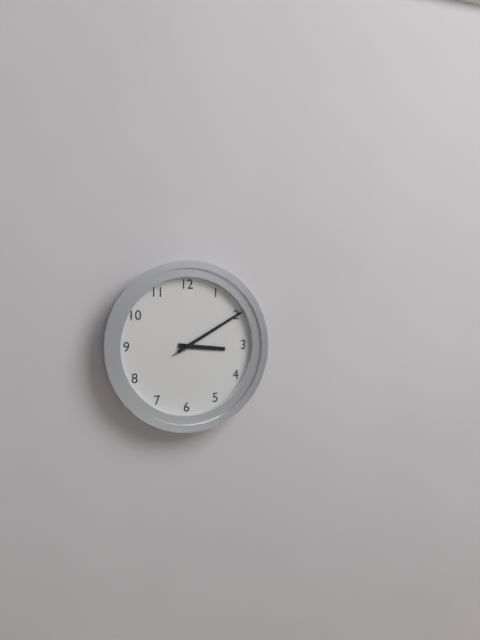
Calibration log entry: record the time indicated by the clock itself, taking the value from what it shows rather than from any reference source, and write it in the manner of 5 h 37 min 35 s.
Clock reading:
3 h 10 min 10 s
